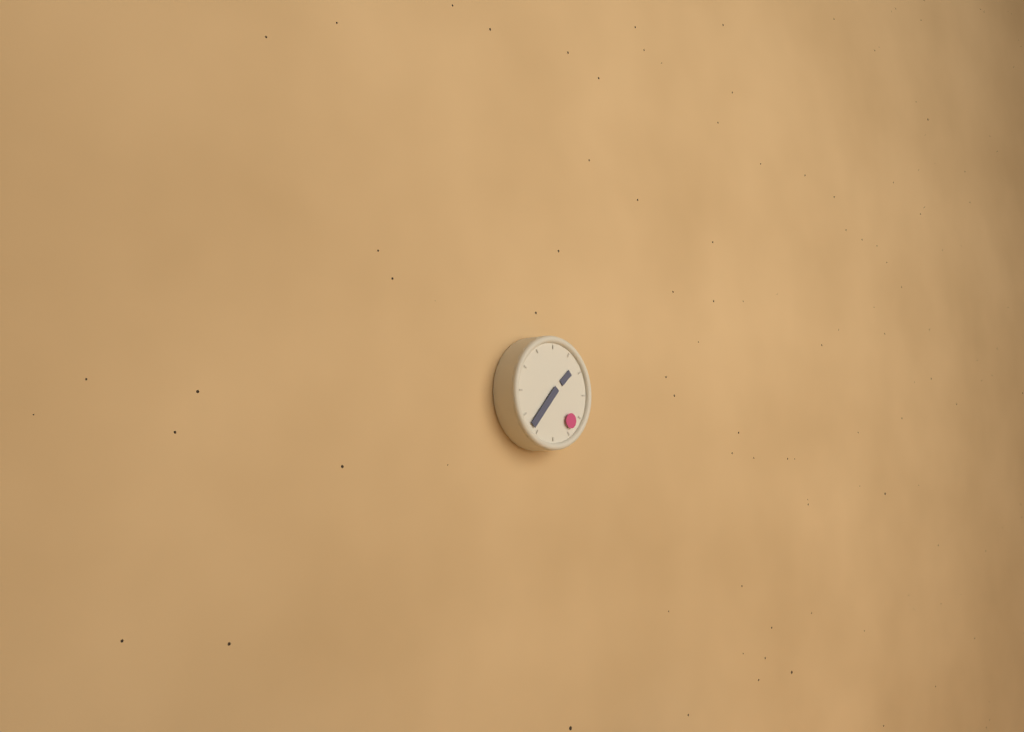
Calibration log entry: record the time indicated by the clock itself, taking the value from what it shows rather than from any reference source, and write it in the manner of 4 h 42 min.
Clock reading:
1 h 37 min
